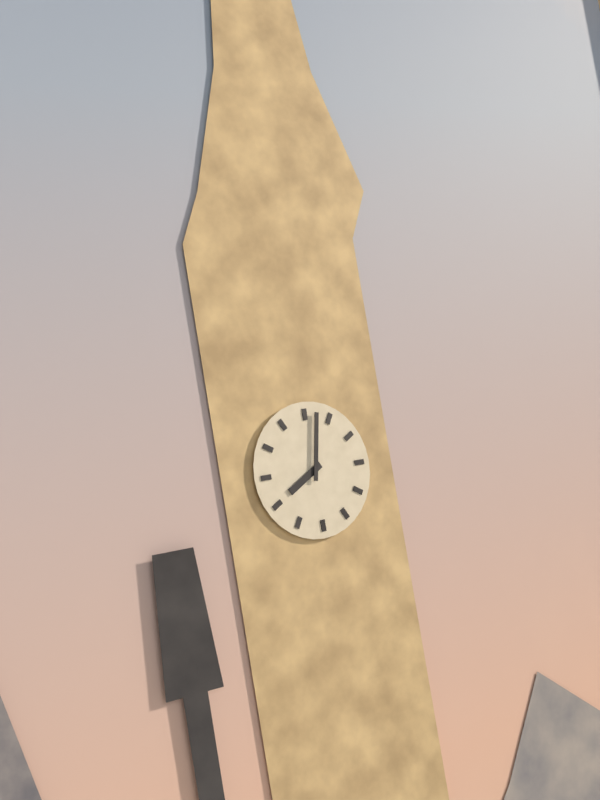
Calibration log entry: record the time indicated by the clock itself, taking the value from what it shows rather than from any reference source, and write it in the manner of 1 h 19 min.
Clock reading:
8 h 02 min
